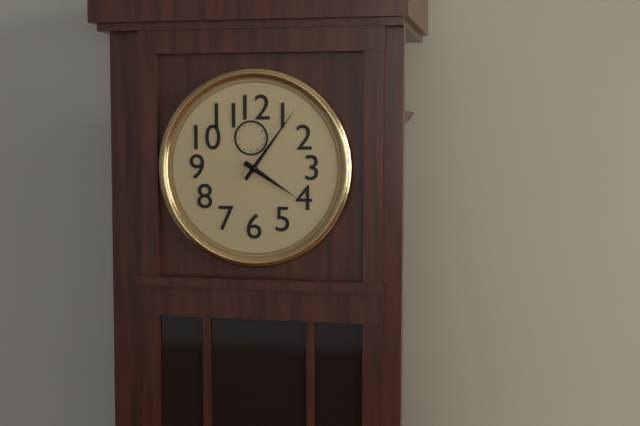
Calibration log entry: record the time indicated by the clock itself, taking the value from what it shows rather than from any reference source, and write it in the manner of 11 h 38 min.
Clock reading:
4 h 06 min
